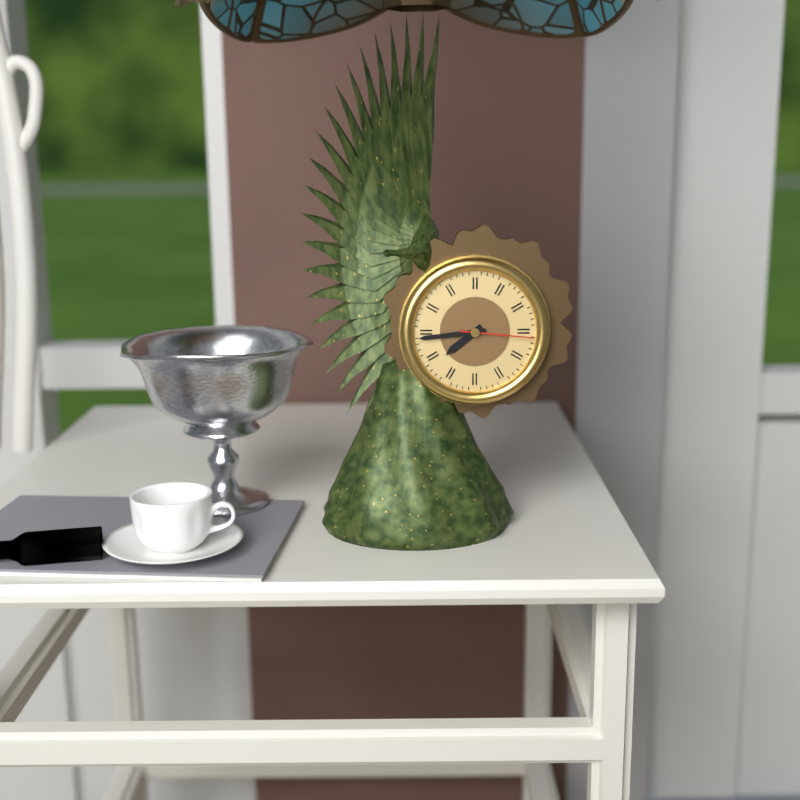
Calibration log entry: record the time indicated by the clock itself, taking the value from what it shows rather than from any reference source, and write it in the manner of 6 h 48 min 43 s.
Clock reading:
7 h 44 min 16 s
